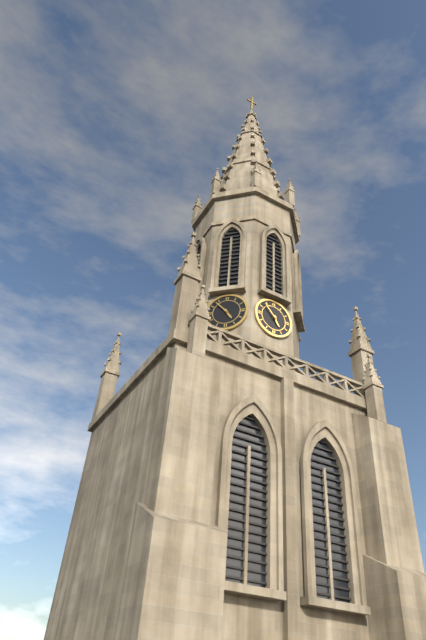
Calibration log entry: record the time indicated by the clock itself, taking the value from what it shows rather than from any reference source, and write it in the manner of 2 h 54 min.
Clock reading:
4 h 53 min
